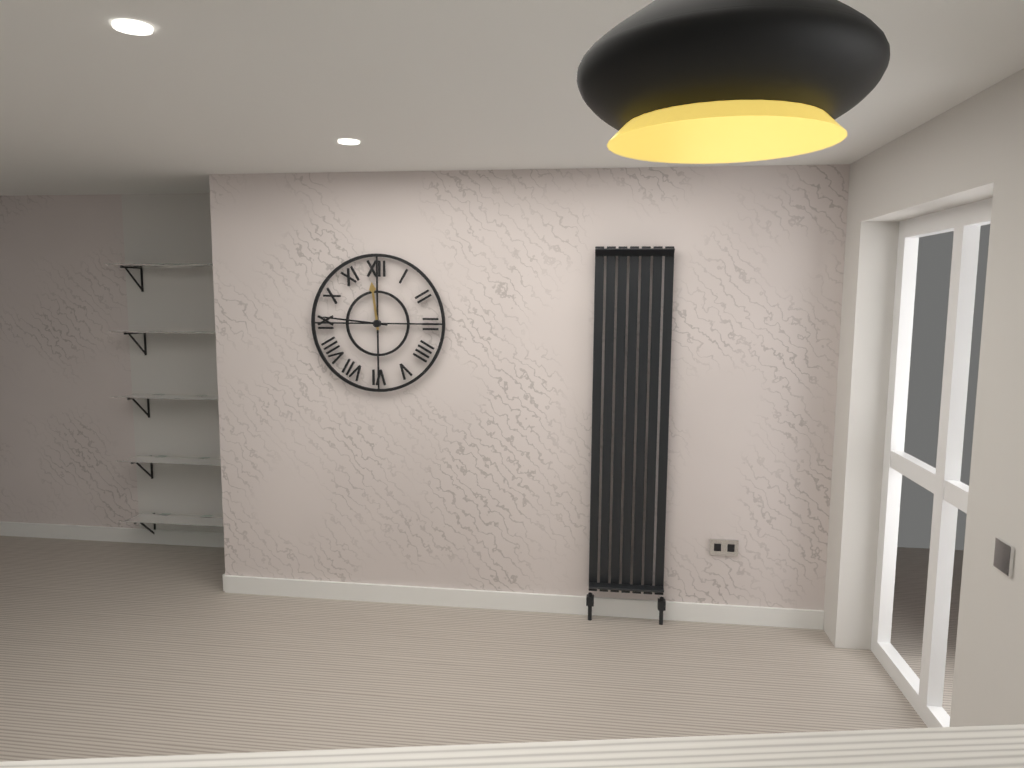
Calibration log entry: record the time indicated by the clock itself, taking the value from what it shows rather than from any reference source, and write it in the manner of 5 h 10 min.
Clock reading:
11 h 46 min
